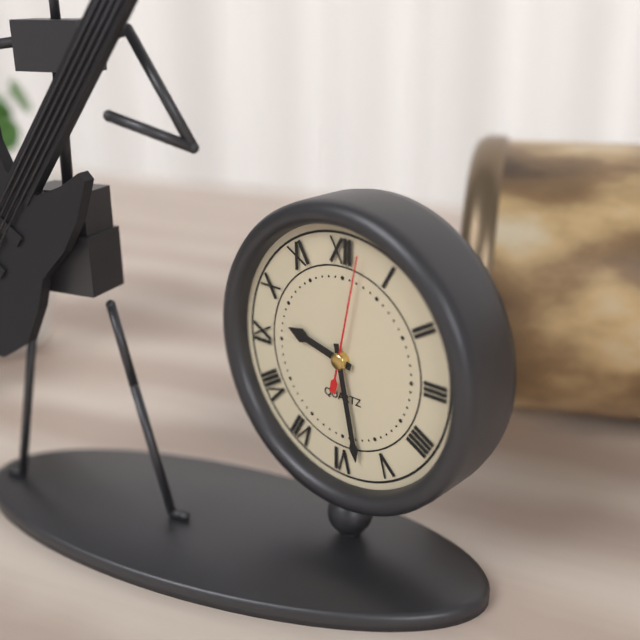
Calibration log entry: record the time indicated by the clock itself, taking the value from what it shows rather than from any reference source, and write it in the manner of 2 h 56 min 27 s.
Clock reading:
9 h 28 min 02 s
